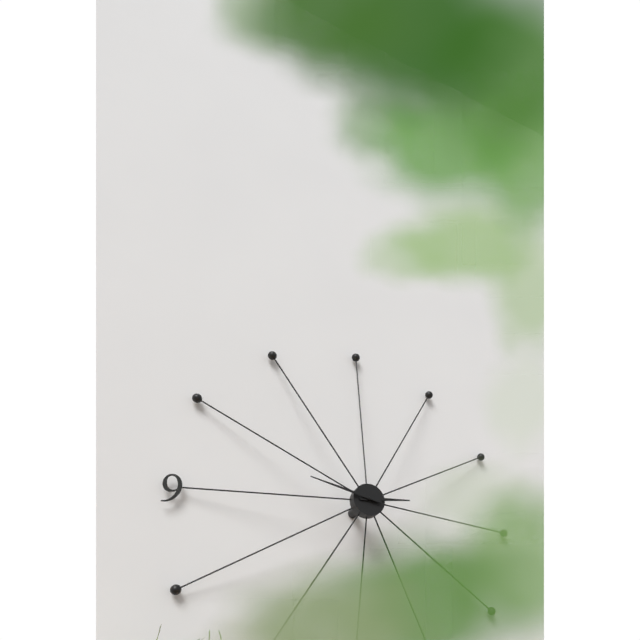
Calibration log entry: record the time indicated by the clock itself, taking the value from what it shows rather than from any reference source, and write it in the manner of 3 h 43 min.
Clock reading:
2 h 47 min
